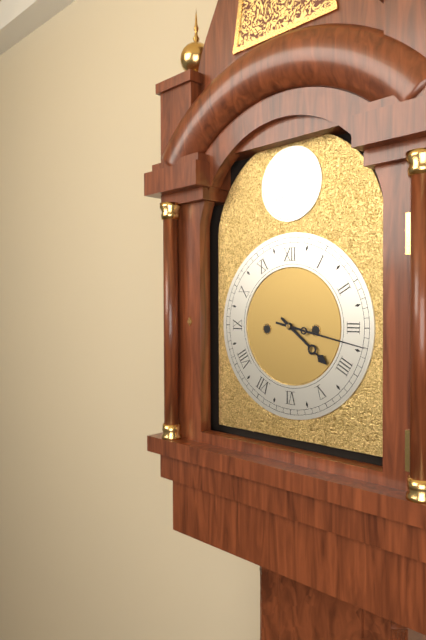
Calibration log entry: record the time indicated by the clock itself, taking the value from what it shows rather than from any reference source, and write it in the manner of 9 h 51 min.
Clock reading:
4 h 17 min
